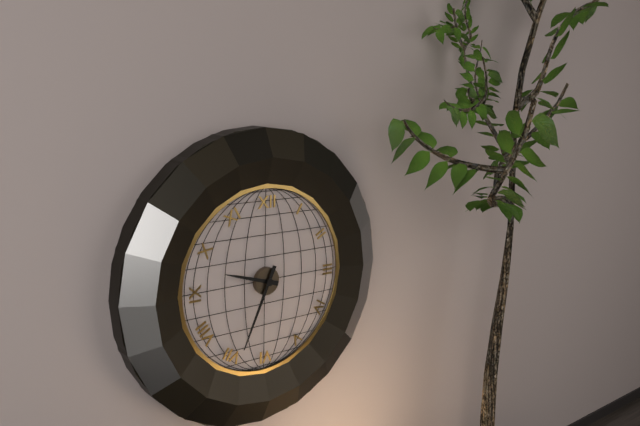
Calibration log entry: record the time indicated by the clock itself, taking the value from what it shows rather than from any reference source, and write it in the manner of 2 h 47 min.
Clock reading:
9 h 34 min
